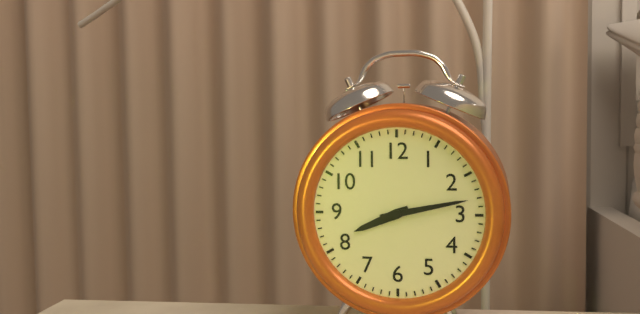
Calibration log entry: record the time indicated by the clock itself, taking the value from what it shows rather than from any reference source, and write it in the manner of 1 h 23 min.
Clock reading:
8 h 13 min
